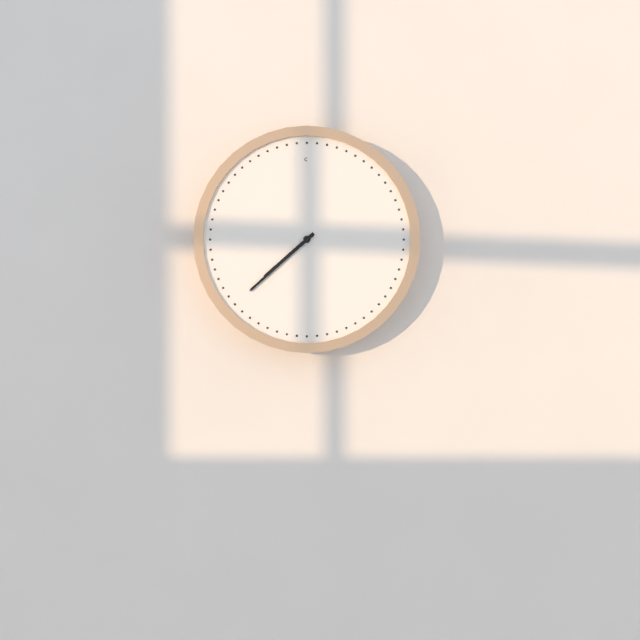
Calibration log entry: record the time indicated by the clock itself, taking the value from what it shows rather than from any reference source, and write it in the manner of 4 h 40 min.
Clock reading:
7 h 38 min
